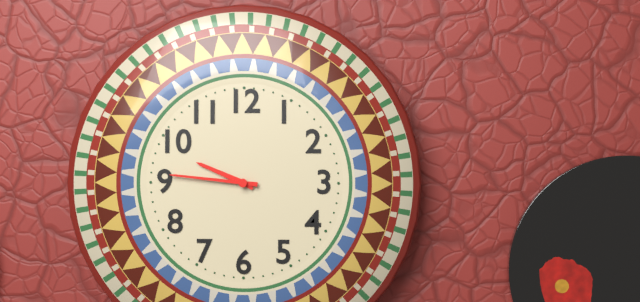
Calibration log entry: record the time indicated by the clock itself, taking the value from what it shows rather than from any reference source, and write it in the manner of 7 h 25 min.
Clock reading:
9 h 46 min
